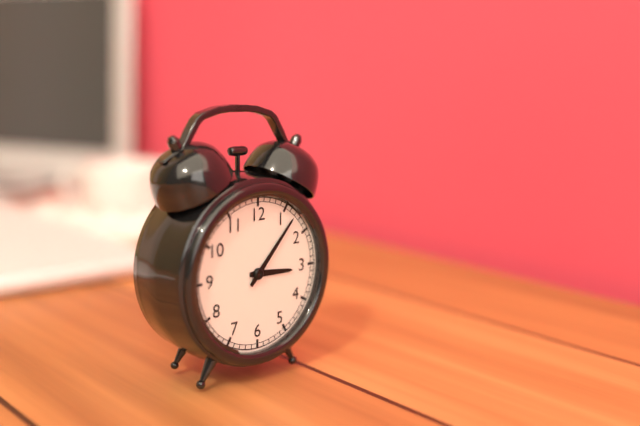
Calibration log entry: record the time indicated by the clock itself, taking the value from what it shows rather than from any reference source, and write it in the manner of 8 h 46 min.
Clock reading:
3 h 07 min
